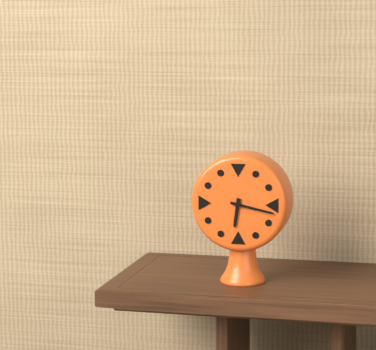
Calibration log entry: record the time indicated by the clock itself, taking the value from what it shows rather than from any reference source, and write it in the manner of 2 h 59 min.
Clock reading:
6 h 17 min
